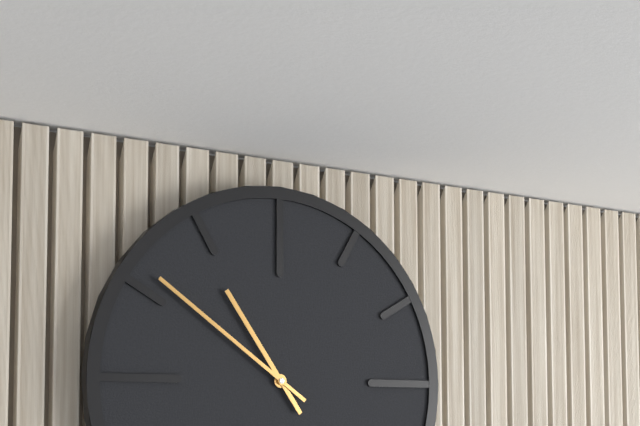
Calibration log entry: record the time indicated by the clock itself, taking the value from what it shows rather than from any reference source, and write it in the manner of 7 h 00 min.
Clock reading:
10 h 51 min
